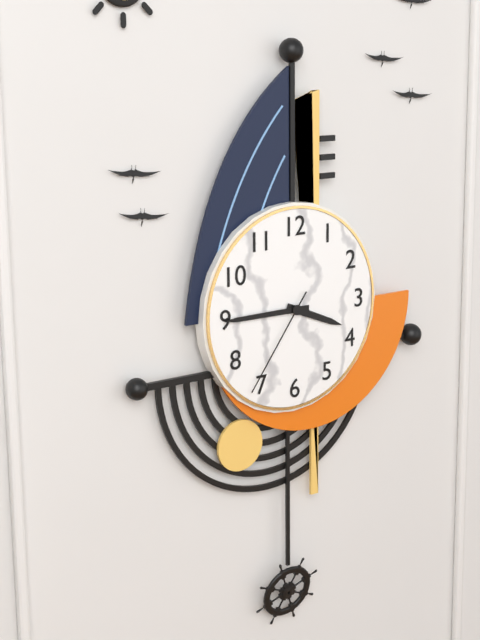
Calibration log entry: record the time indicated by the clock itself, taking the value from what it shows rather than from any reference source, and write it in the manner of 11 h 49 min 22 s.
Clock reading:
3 h 45 min 36 s
